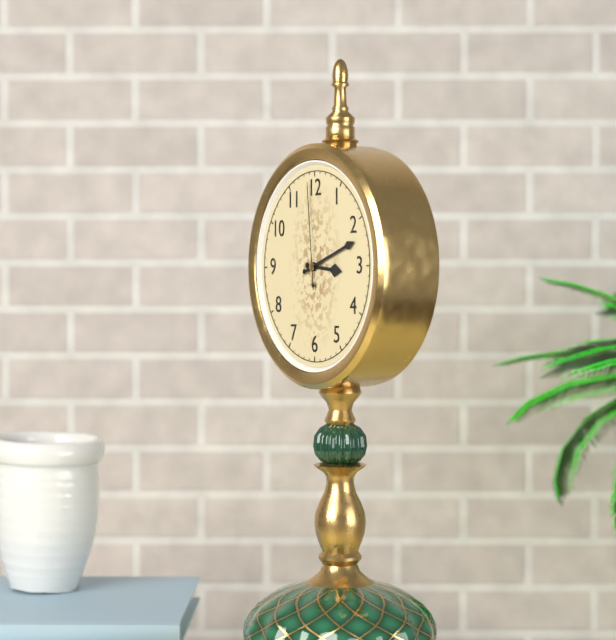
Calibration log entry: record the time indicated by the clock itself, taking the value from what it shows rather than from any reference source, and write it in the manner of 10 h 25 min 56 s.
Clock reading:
3 h 12 min 59 s
